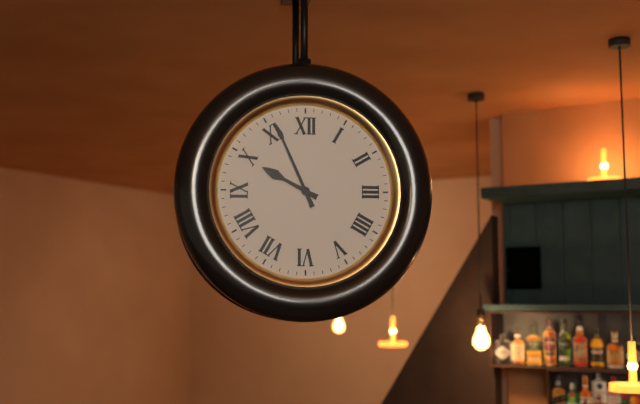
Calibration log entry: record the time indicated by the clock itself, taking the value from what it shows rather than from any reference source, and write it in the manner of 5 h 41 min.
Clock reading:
9 h 56 min
